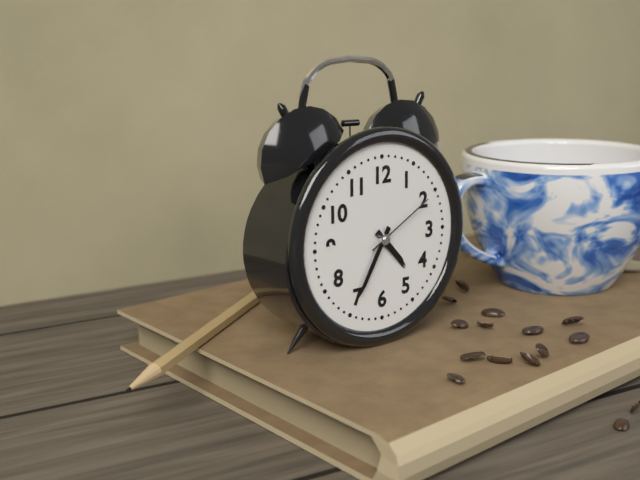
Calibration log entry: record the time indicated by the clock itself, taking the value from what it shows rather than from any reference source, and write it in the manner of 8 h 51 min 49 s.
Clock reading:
4 h 35 min 10 s
